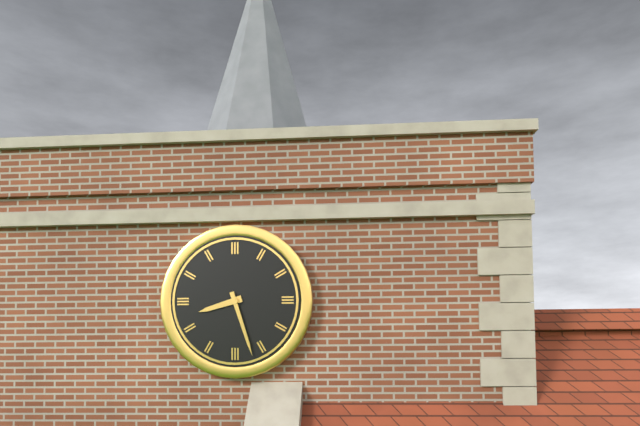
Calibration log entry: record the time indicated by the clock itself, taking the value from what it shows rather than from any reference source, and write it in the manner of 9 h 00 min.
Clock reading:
8 h 27 min
